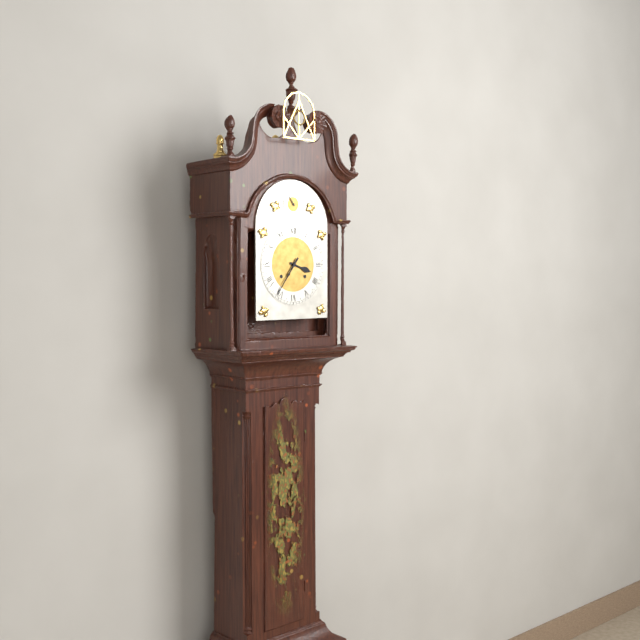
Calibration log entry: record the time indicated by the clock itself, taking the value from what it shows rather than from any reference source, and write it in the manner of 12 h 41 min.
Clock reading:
3 h 36 min
